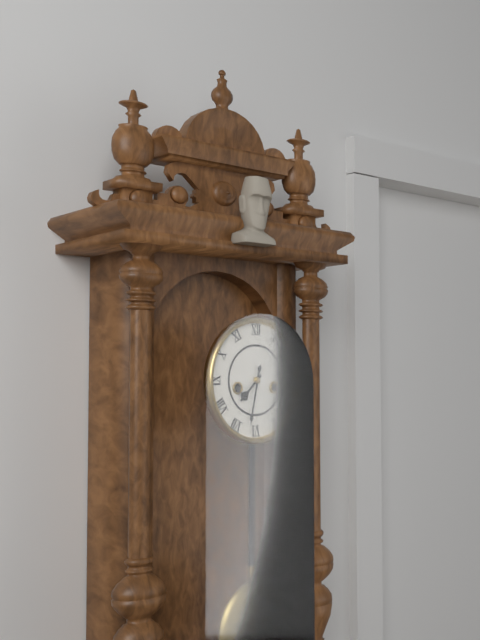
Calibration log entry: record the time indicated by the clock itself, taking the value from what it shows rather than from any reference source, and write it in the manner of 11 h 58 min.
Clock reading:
7 h 32 min
